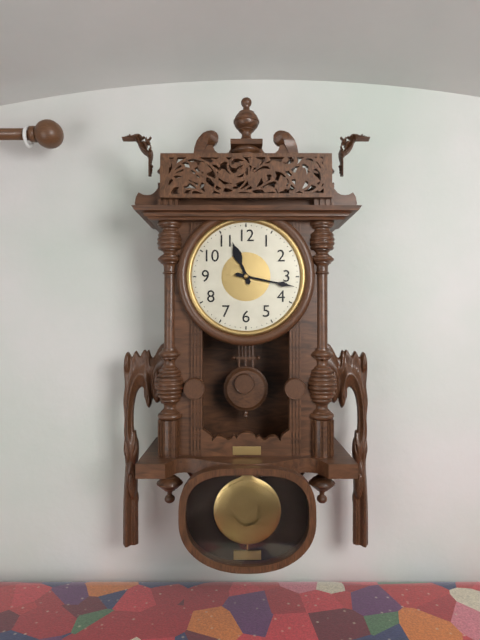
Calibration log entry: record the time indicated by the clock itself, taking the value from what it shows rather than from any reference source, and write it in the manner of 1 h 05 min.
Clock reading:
11 h 17 min
